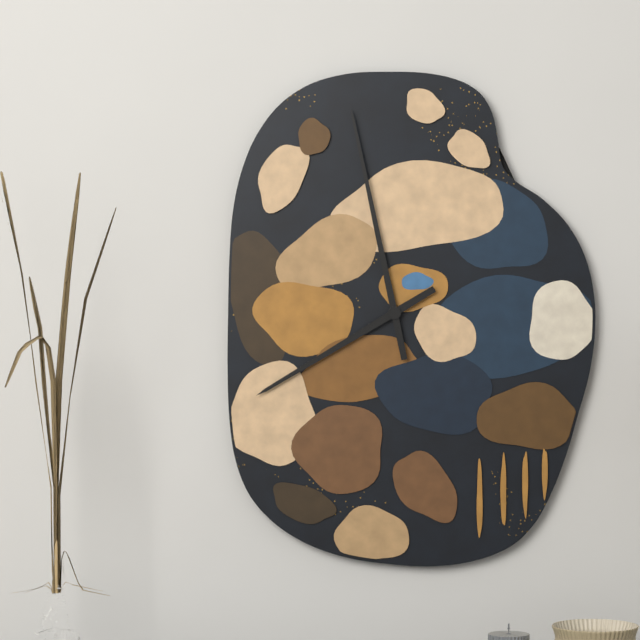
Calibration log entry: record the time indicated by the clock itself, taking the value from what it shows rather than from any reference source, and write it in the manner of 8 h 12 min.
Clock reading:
7 h 58 min
